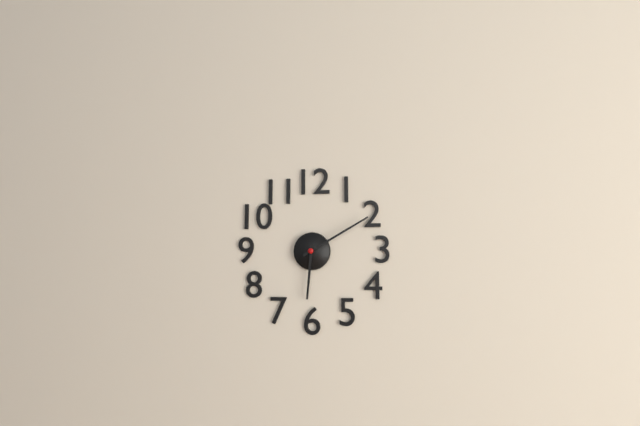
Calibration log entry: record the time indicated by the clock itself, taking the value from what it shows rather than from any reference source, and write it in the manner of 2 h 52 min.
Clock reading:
6 h 10 min
